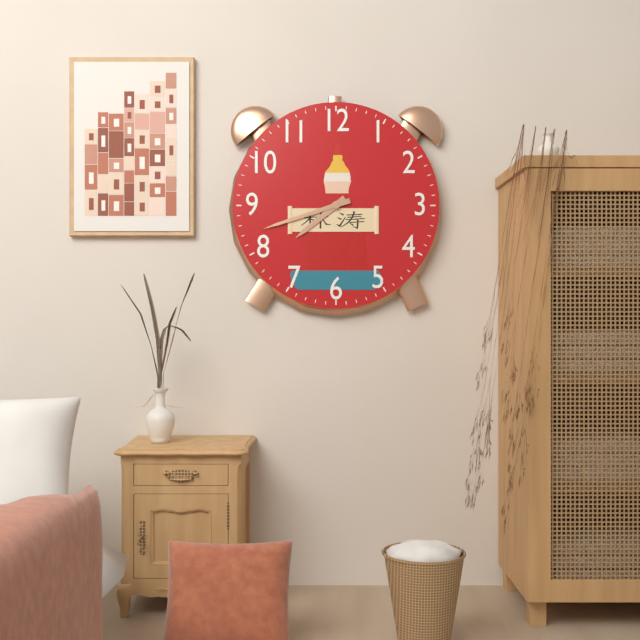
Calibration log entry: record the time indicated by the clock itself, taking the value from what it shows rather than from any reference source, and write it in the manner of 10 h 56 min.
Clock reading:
7 h 42 min
